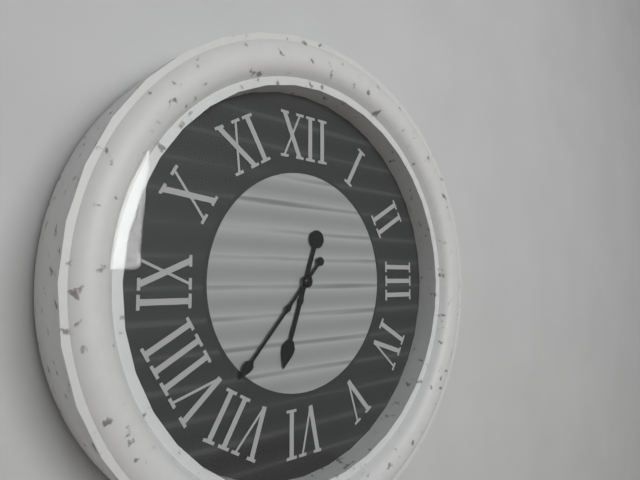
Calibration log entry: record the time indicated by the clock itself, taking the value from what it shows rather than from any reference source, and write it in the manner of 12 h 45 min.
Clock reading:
6 h 37 min
